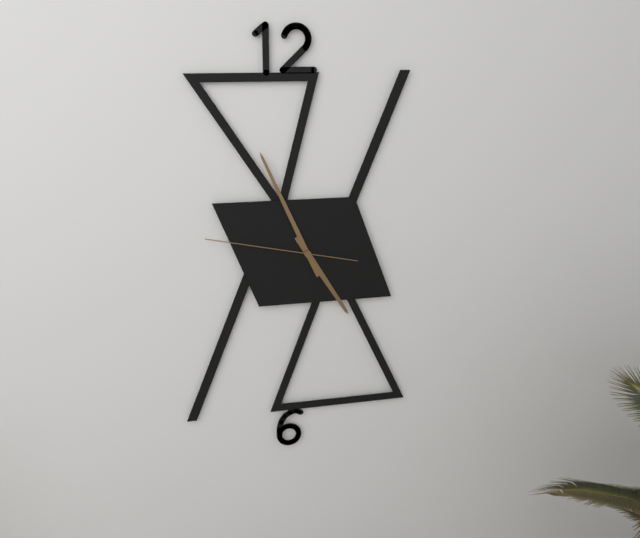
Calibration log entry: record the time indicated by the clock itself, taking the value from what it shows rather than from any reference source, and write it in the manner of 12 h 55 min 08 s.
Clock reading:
4 h 56 min 47 s
